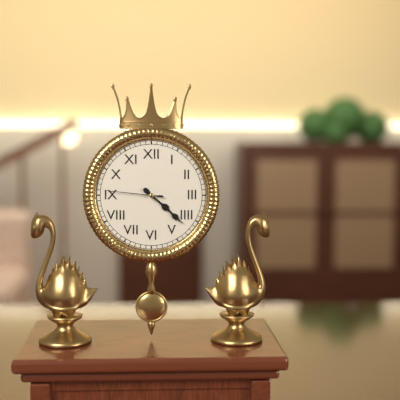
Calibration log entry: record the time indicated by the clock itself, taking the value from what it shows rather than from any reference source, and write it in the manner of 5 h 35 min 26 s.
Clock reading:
4 h 22 min 46 s
